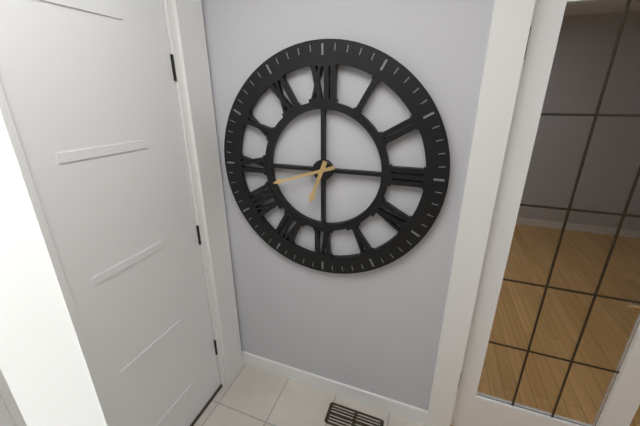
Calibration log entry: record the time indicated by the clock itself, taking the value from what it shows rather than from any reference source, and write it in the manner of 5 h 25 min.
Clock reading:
6 h 42 min
